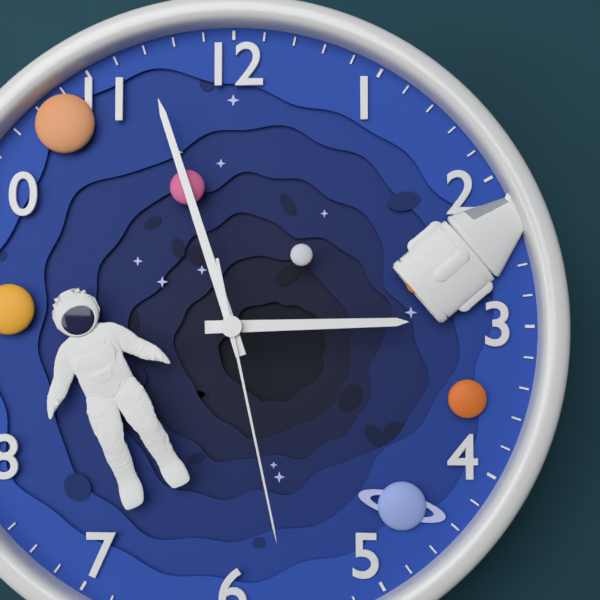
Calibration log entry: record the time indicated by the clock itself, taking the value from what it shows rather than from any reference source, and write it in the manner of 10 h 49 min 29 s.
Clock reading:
2 h 57 min 28 s
